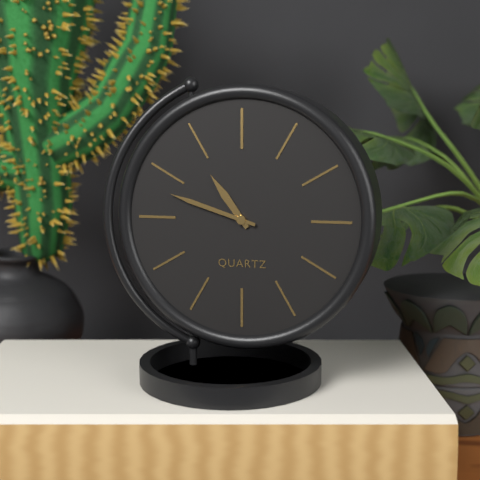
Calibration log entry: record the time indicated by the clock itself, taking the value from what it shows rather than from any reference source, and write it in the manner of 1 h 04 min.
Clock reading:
10 h 48 min
